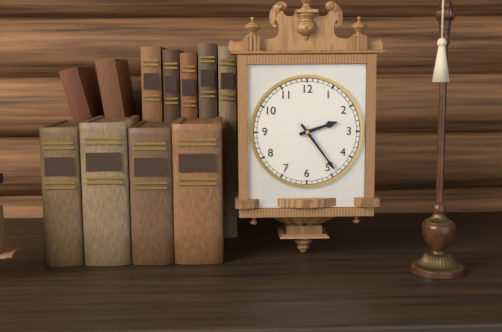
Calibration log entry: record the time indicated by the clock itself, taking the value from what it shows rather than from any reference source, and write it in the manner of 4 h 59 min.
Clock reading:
2 h 24 min
